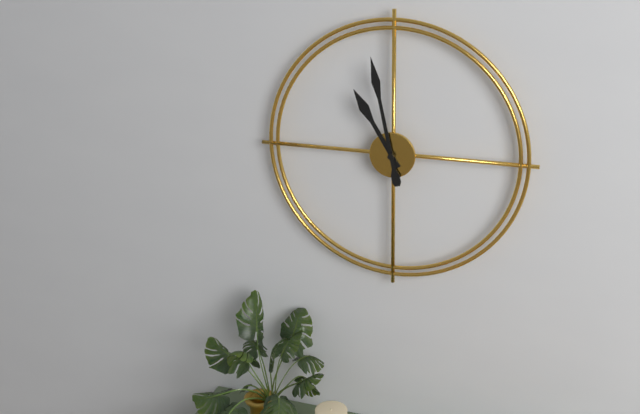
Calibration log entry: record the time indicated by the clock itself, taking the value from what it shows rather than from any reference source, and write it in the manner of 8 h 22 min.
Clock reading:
10 h 58 min
